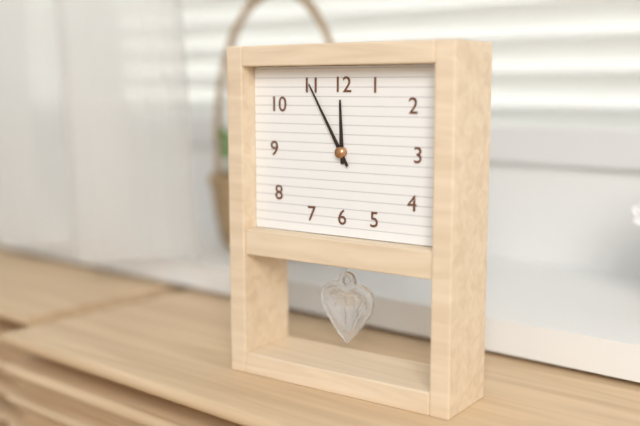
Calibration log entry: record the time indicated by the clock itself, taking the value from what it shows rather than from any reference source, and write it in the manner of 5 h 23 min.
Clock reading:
11 h 55 min
